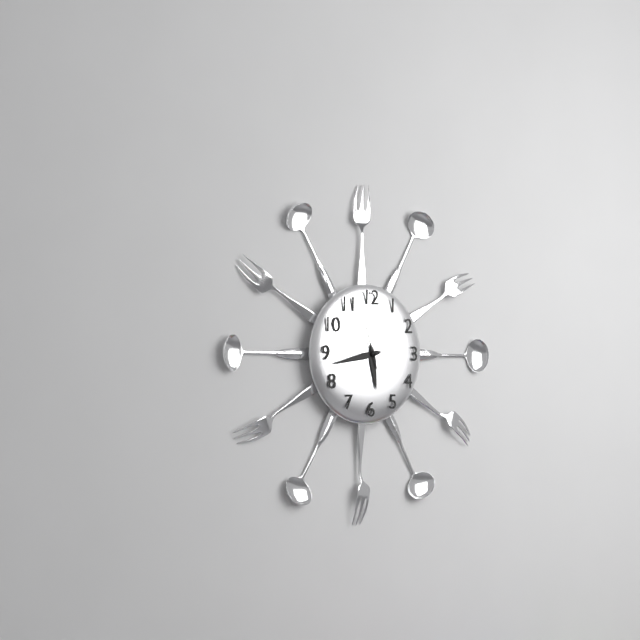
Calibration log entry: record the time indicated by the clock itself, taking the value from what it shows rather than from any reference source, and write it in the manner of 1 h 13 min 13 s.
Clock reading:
5 h 43 min 57 s
